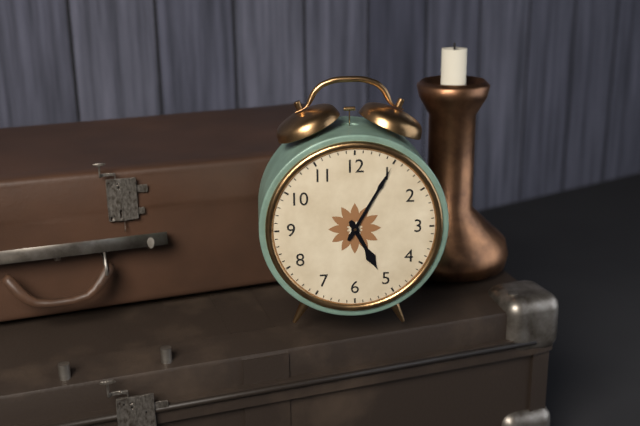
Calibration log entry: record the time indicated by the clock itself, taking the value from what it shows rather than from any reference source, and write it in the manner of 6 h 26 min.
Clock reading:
5 h 05 min
